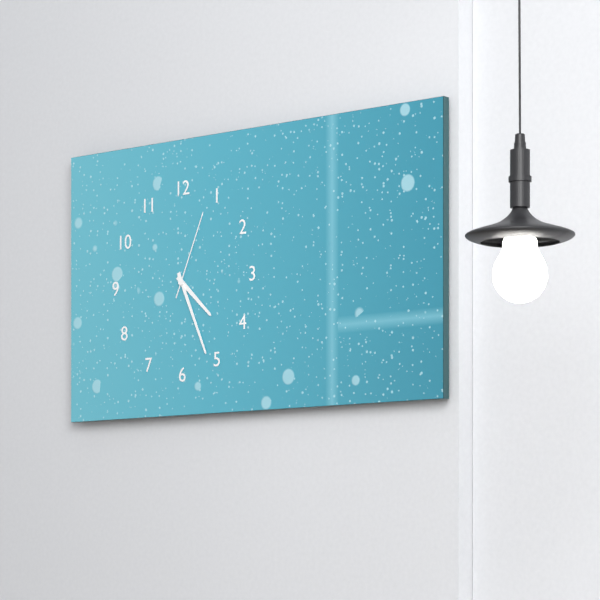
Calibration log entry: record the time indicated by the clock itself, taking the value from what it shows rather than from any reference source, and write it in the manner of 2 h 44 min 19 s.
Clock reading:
4 h 26 min 04 s
